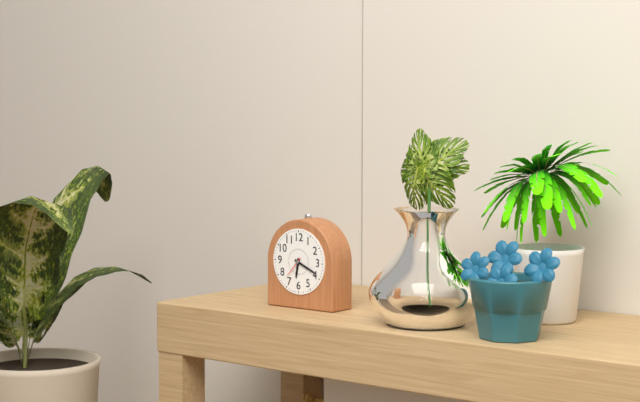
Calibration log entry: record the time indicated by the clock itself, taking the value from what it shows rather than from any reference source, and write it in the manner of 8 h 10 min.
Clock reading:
6 h 19 min
